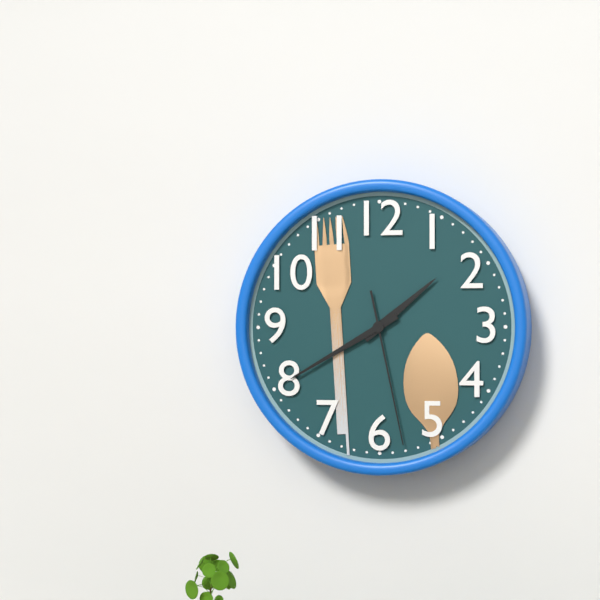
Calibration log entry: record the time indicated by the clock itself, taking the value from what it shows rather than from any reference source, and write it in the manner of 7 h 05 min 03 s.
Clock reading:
1 h 40 min 28 s
